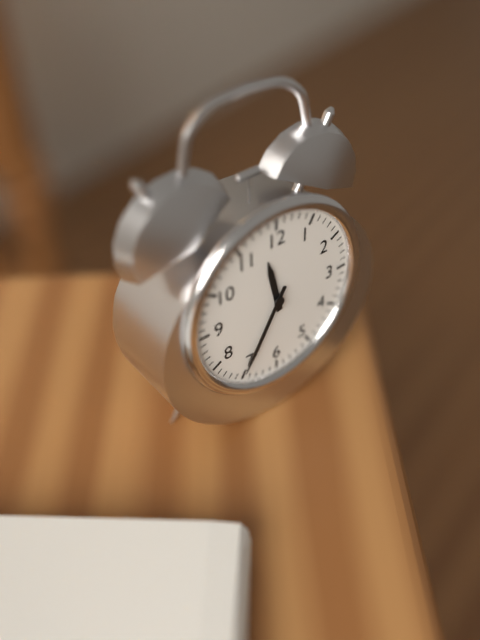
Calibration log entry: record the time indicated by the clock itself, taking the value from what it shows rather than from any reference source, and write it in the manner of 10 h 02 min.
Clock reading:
11 h 35 min
